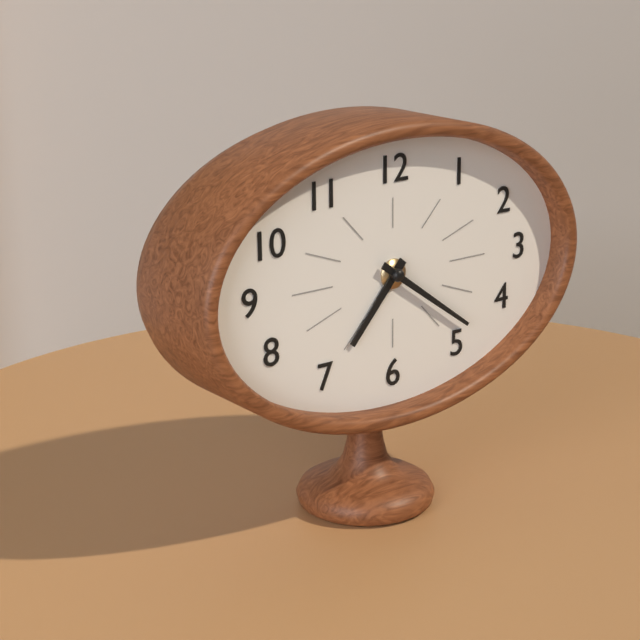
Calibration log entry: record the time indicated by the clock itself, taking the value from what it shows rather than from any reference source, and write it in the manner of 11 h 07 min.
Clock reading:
7 h 21 min
